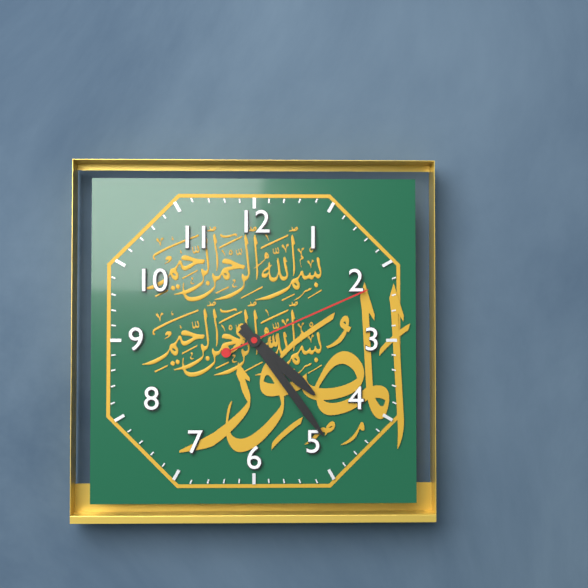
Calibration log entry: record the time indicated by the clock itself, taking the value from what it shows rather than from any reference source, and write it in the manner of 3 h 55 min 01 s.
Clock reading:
4 h 24 min 11 s
